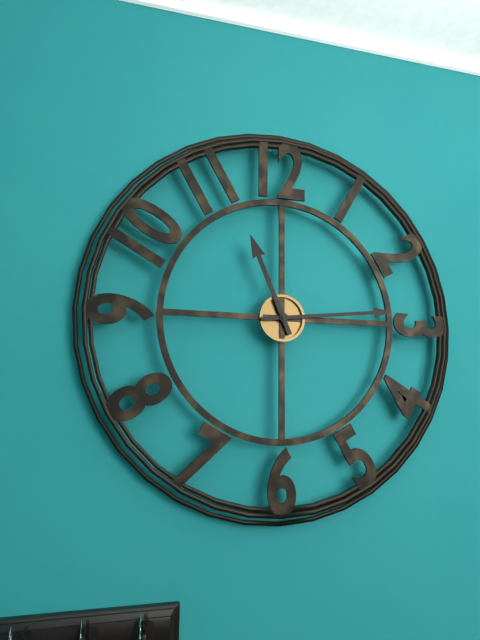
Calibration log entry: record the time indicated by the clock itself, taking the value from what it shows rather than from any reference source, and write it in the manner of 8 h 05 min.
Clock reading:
11 h 14 min
